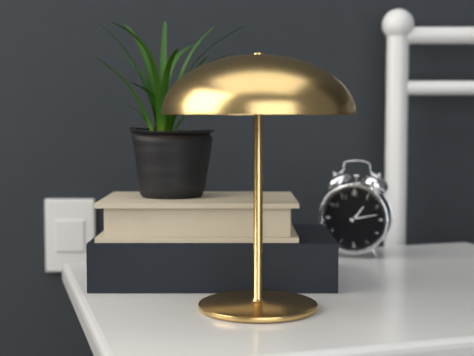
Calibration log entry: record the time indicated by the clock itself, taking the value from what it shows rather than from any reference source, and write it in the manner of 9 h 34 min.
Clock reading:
1 h 13 min
